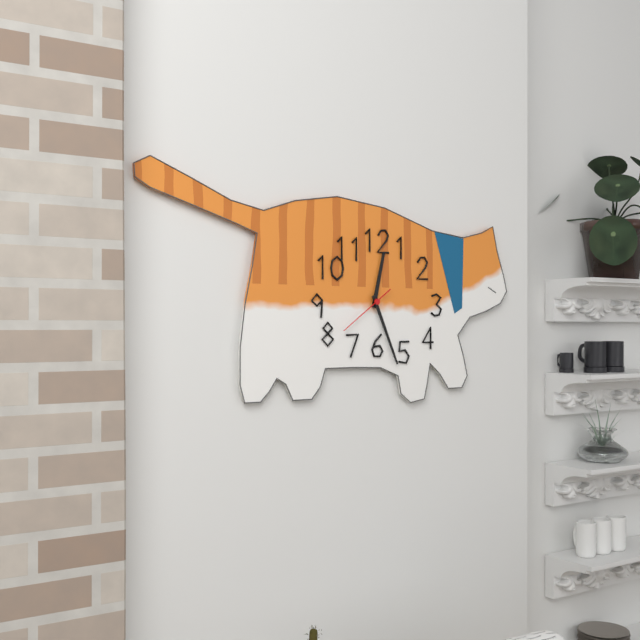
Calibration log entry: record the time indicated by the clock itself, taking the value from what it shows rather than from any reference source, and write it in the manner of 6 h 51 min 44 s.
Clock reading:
12 h 26 min 39 s
